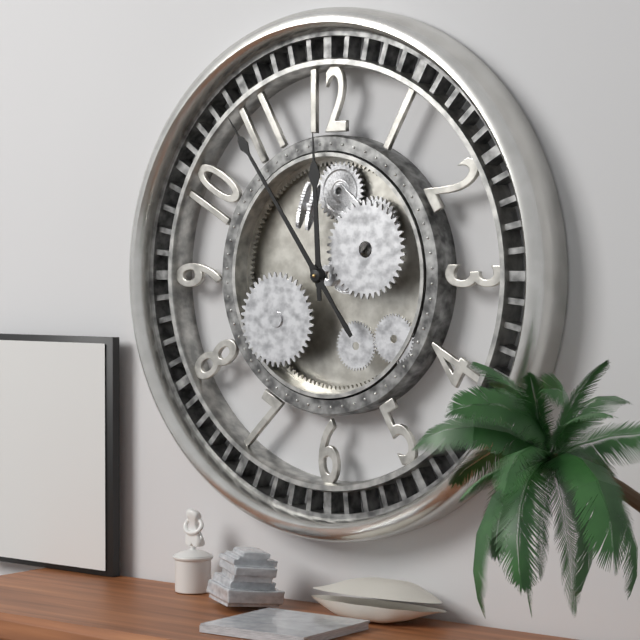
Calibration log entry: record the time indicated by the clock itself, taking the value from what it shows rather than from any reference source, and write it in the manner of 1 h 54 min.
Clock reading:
11 h 54 min
